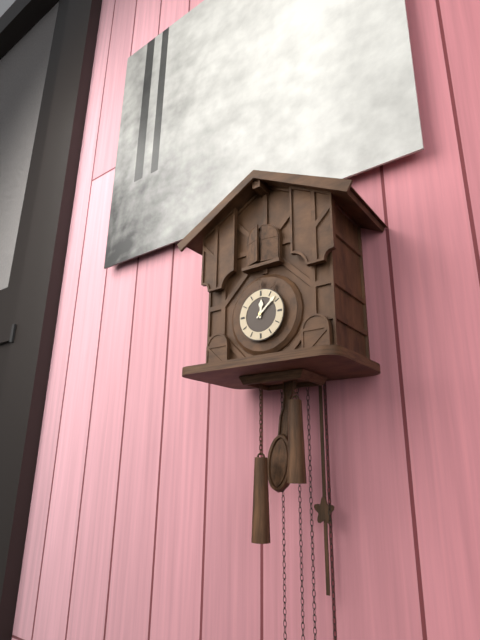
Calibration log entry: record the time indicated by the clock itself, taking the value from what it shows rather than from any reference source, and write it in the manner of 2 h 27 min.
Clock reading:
12 h 08 min
